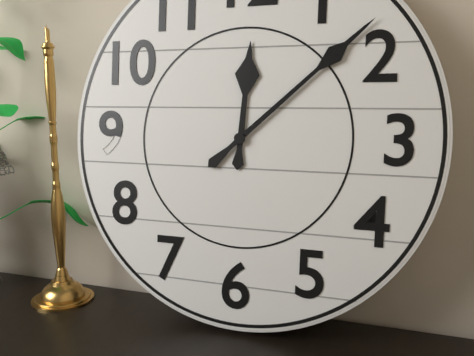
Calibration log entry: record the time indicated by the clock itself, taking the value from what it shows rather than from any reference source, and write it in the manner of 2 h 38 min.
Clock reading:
12 h 08 min
